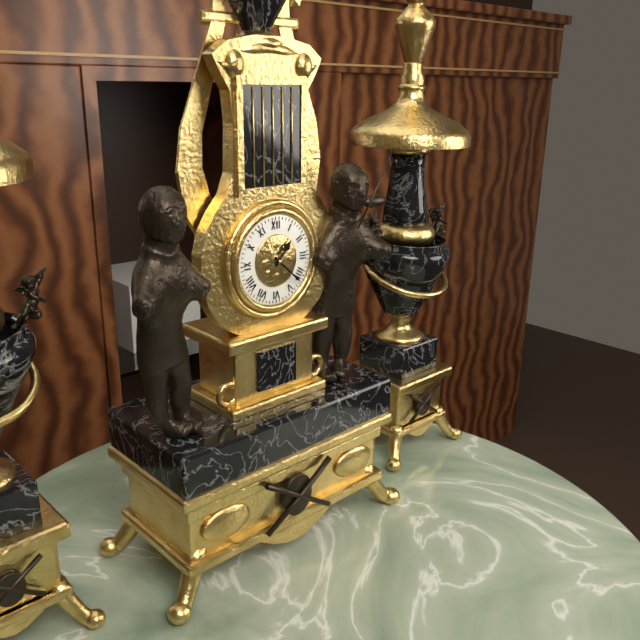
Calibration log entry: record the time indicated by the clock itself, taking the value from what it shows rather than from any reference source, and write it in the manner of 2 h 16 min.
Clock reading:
1 h 22 min
